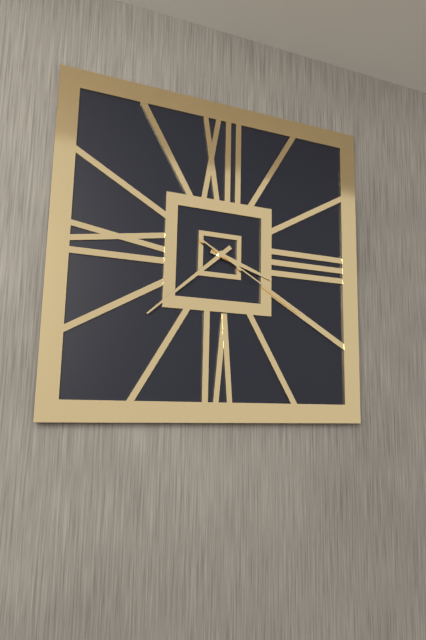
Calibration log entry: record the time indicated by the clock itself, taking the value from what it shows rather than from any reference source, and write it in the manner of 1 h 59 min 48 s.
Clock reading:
3 h 38 min 20 s
